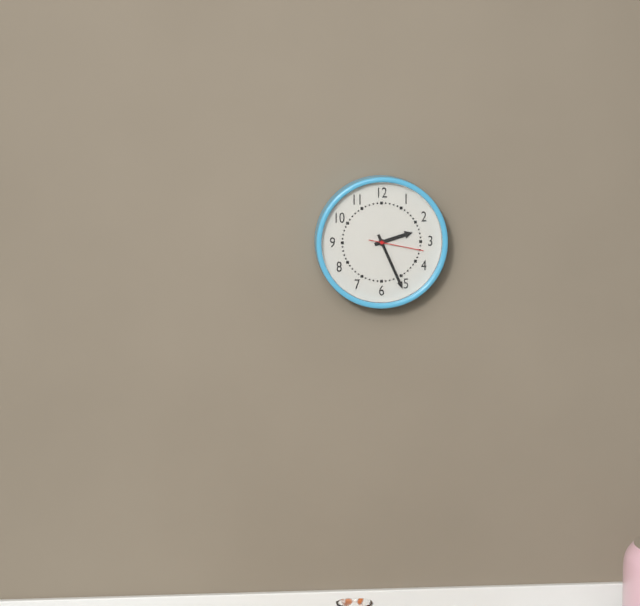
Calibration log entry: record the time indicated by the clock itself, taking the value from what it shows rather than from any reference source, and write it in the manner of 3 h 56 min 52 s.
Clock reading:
2 h 26 min 17 s
